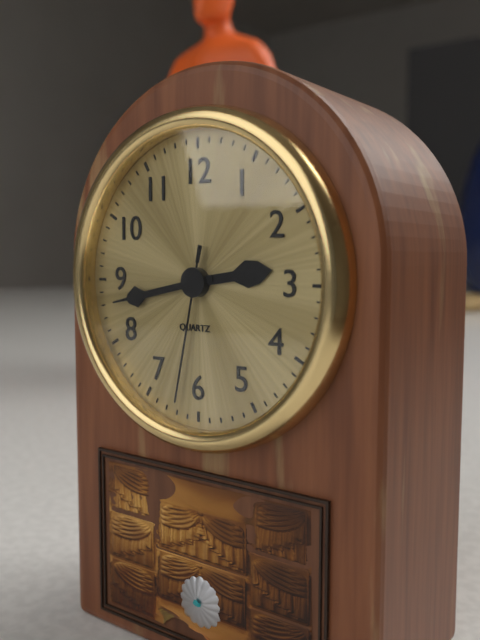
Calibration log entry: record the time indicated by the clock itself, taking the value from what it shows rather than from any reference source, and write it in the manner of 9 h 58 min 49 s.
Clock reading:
2 h 43 min 32 s
